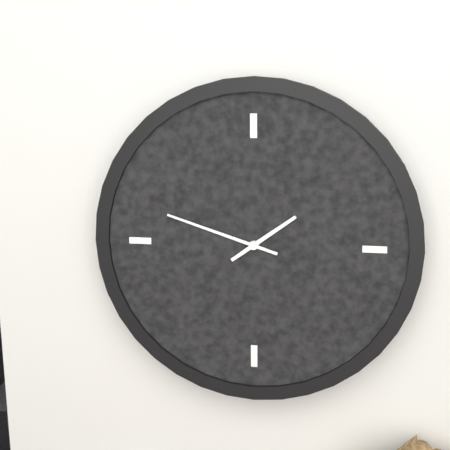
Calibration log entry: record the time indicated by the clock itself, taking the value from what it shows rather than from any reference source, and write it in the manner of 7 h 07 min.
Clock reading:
1 h 48 min
